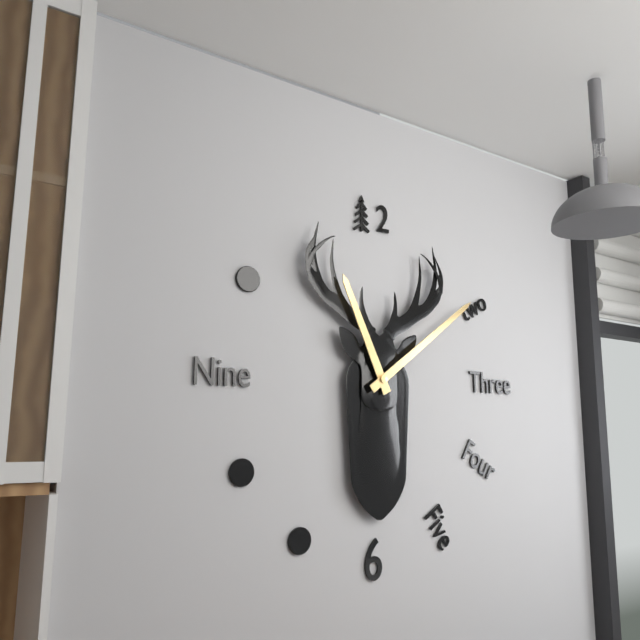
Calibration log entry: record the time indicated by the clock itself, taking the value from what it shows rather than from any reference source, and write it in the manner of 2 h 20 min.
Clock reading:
11 h 09 min
